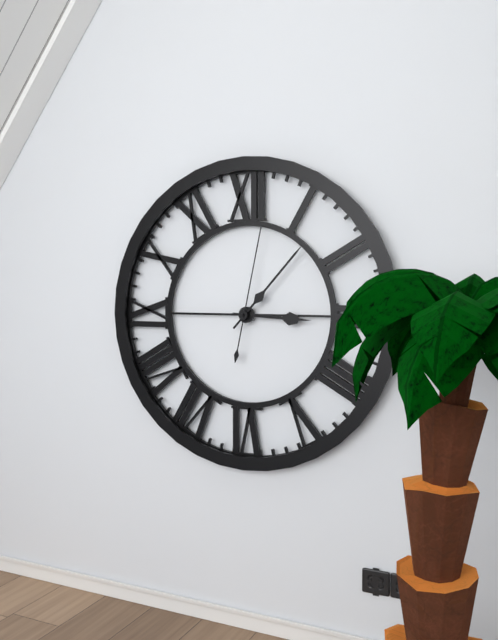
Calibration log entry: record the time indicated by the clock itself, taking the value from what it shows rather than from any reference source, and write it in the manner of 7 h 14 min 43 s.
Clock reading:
3 h 07 min 02 s
